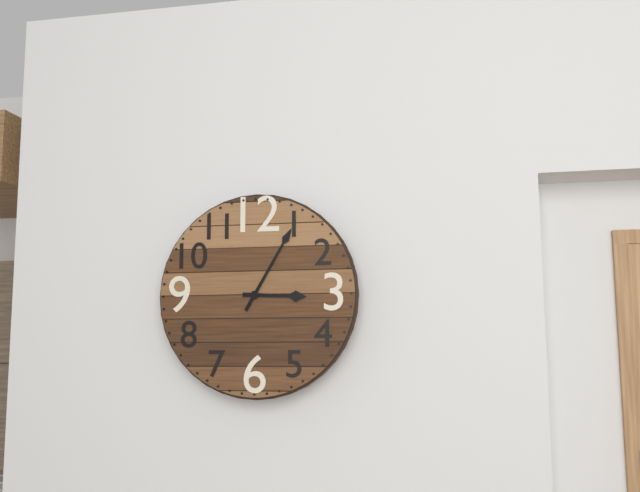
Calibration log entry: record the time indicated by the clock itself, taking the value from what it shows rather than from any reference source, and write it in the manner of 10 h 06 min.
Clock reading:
3 h 05 min
